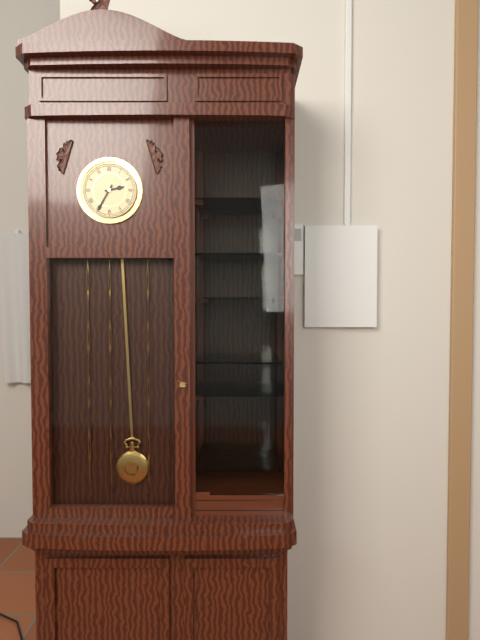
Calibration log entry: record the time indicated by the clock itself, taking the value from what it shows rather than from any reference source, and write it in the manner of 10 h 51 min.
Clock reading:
2 h 35 min
